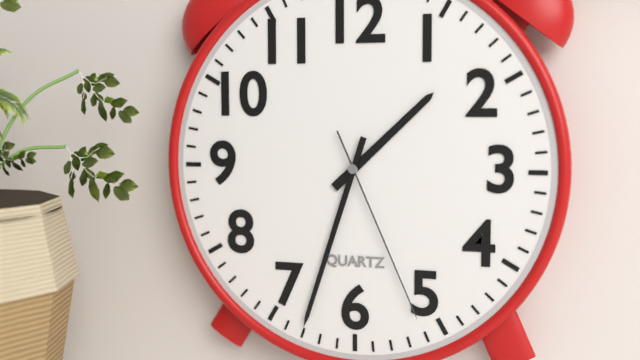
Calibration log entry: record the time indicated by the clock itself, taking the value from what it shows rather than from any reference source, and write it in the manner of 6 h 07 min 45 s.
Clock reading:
1 h 33 min 26 s
